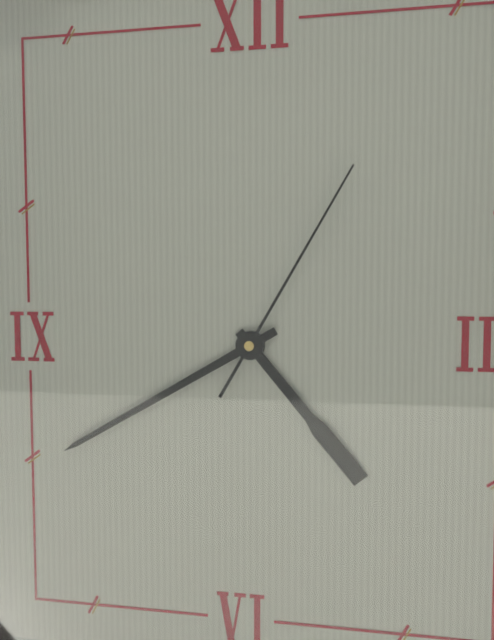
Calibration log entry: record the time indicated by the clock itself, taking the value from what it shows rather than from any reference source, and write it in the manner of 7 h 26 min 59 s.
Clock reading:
4 h 40 min 05 s
